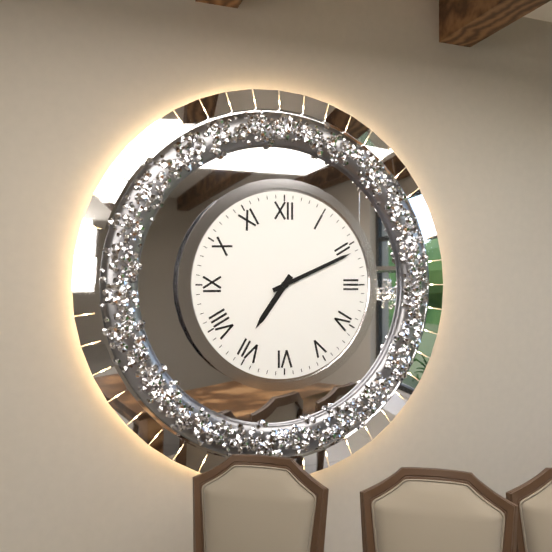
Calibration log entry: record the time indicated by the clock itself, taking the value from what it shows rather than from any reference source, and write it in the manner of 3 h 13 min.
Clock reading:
7 h 11 min
